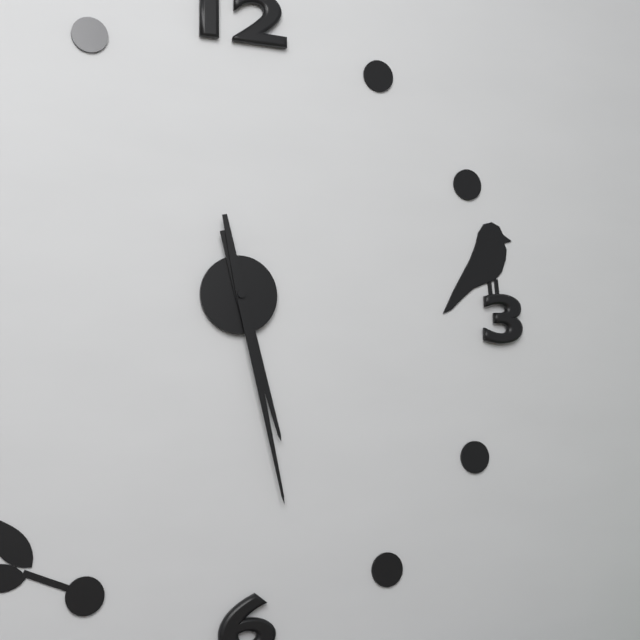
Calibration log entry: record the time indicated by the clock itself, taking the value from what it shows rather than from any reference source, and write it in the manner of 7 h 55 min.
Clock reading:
5 h 28 min
